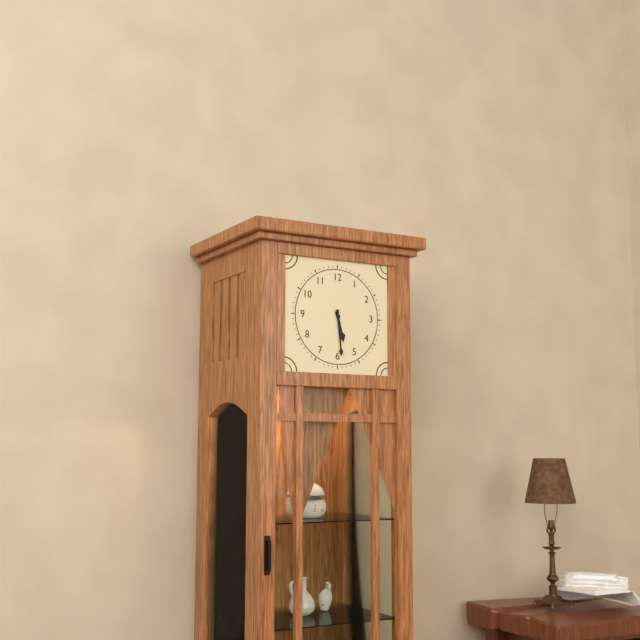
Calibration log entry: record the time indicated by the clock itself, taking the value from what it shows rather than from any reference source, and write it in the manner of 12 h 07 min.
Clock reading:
5 h 29 min
